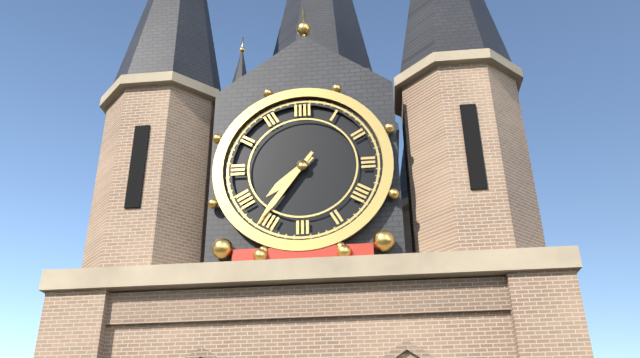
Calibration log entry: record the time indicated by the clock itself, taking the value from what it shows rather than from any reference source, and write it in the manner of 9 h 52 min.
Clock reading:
7 h 36 min
